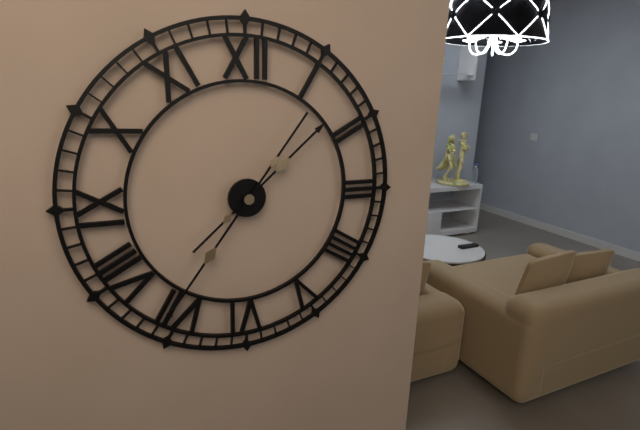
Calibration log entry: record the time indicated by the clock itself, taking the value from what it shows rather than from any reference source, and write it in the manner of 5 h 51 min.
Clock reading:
1 h 36 min
